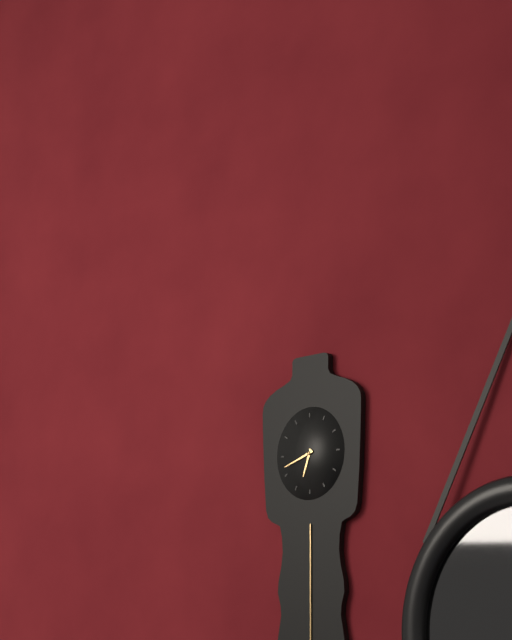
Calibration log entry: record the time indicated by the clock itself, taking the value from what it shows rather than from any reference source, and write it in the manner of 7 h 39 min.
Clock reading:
6 h 42 min
